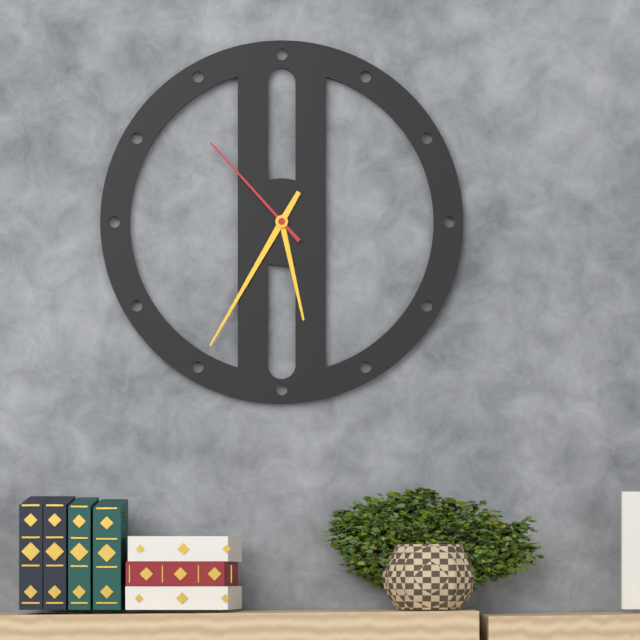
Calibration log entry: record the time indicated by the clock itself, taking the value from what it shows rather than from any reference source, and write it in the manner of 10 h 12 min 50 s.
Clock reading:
5 h 35 min 53 s
